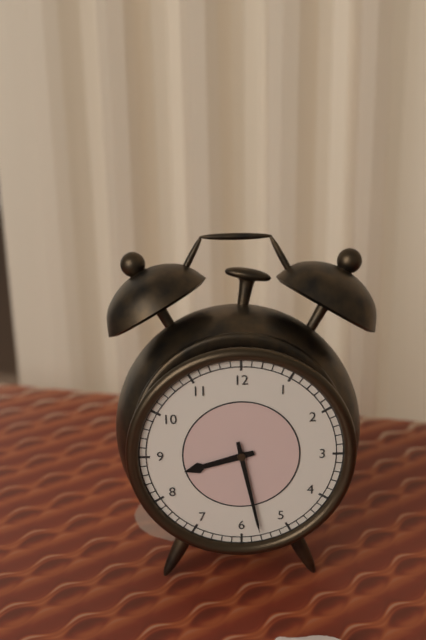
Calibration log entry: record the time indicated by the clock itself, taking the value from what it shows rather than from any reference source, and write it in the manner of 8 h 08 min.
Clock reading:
8 h 28 min
